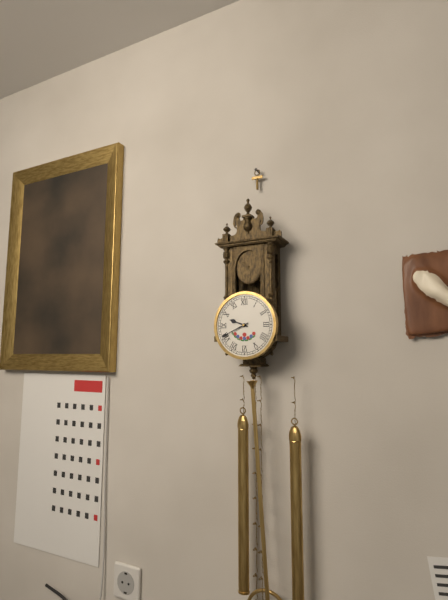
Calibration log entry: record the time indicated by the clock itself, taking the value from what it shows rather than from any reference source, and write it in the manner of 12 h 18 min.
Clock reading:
9 h 41 min
